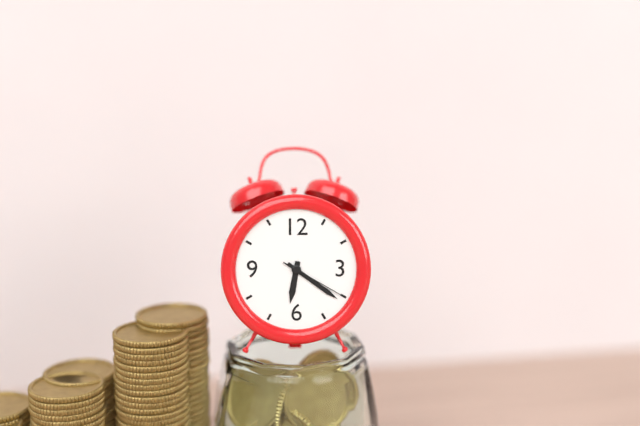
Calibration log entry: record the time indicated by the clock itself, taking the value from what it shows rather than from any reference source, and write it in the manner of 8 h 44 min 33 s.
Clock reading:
6 h 21 min 20 s
